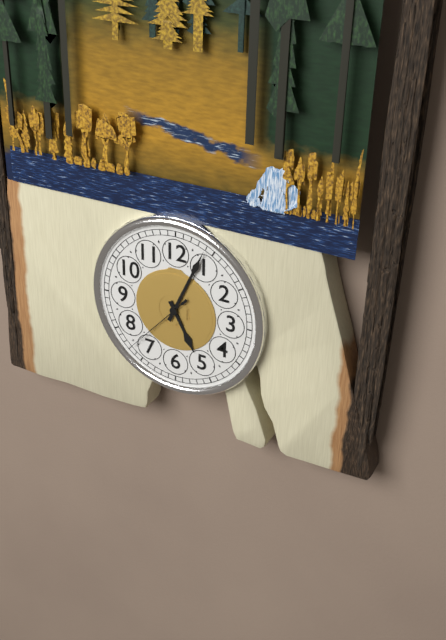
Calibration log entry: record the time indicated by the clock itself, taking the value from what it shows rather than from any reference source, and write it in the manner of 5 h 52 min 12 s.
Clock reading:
5 h 04 min 37 s
